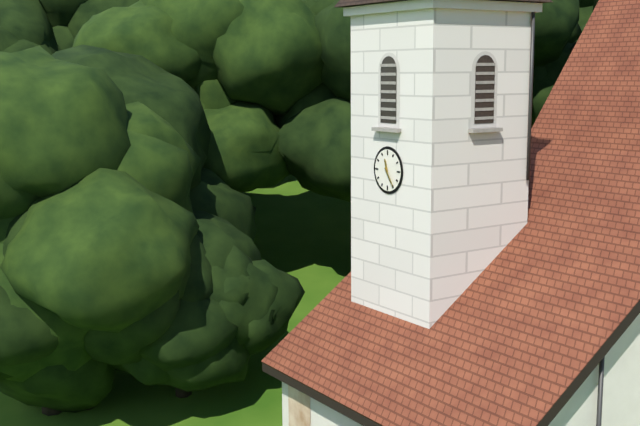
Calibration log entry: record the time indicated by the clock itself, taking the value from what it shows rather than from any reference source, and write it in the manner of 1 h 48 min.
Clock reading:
11 h 24 min
